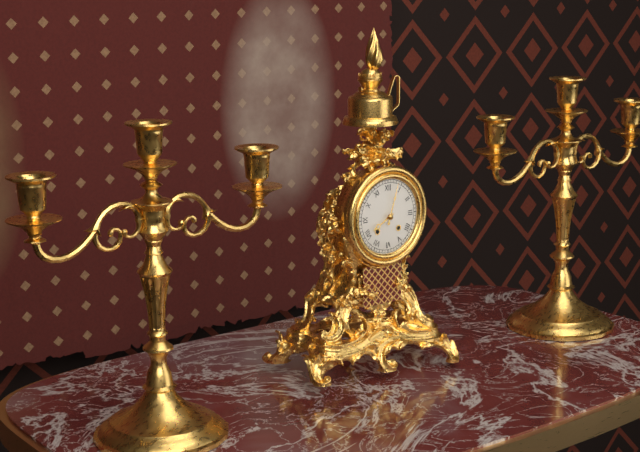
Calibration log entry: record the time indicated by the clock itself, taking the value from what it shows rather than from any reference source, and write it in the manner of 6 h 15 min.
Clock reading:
8 h 03 min
